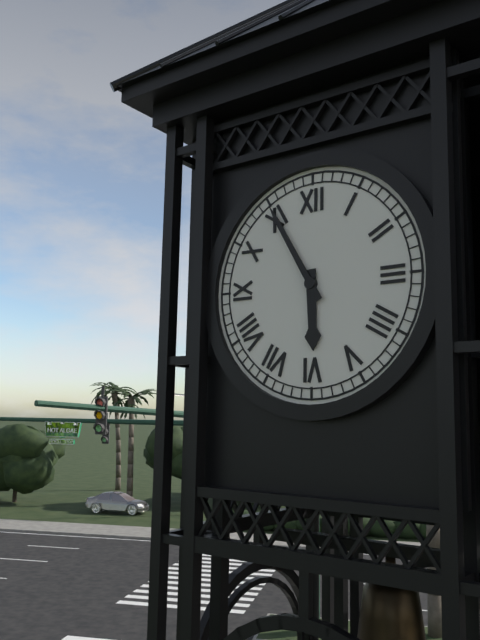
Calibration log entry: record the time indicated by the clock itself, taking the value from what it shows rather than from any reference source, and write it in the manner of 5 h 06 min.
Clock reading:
5 h 55 min
